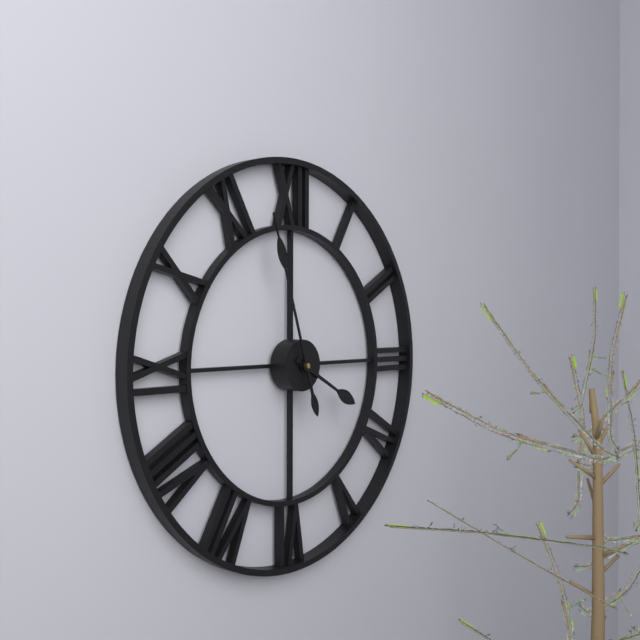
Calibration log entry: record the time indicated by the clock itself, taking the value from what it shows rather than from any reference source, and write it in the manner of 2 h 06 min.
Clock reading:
3 h 57 min
